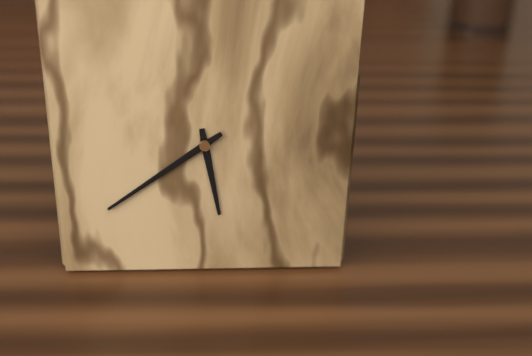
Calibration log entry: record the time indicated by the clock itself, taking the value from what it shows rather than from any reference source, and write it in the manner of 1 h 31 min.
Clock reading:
5 h 39 min
